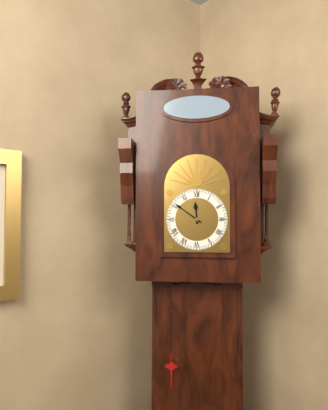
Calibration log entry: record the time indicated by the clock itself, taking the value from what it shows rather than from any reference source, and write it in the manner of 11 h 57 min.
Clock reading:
11 h 51 min
